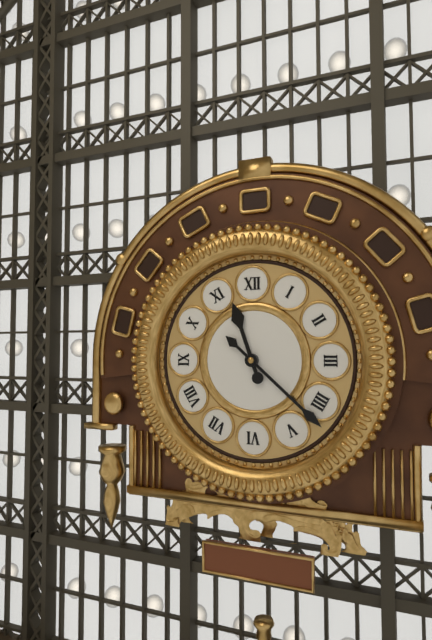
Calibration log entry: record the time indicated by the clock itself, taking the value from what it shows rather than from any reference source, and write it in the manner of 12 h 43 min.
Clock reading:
11 h 22 min
